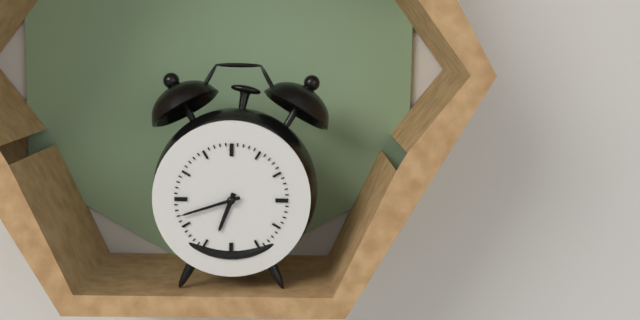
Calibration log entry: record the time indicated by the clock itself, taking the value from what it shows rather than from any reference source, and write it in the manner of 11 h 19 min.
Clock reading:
6 h 42 min
